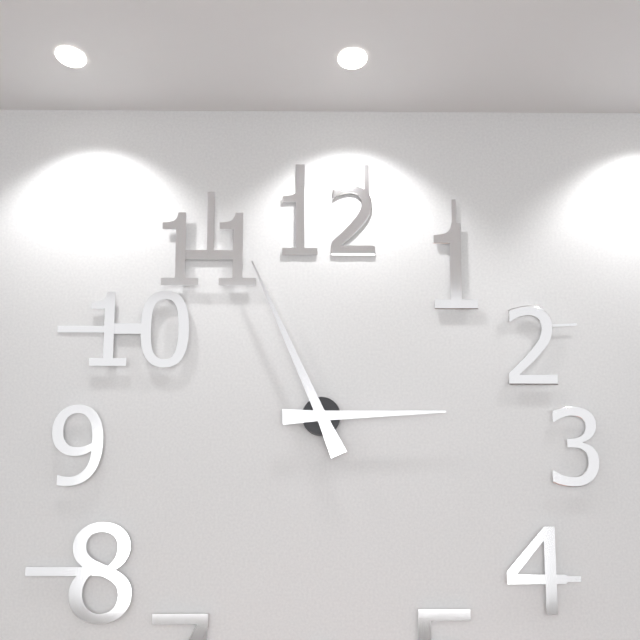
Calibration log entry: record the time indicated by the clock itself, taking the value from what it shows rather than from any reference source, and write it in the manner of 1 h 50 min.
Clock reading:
2 h 56 min
